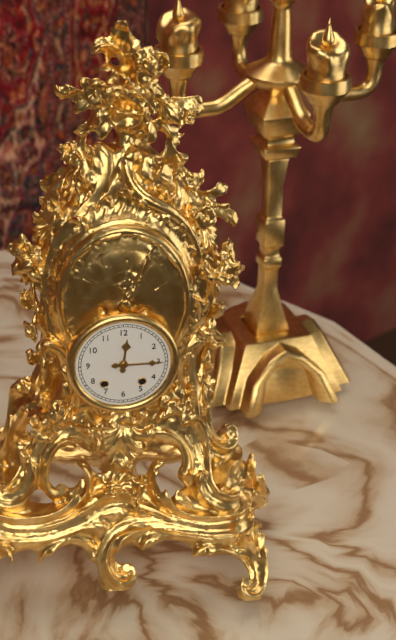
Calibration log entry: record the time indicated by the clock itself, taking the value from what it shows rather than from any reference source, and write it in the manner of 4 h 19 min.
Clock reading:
12 h 15 min
